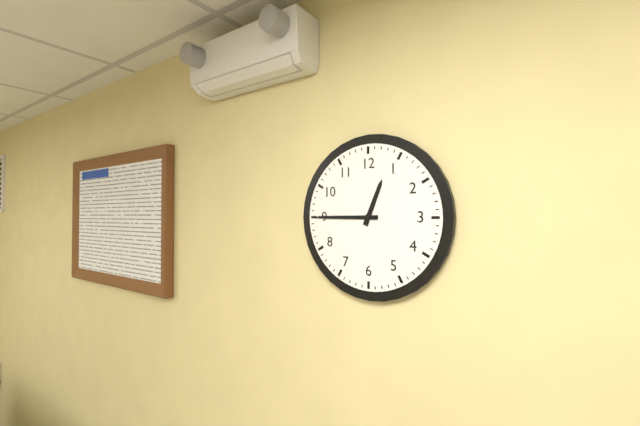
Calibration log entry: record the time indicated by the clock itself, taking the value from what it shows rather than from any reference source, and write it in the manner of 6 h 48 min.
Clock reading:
12 h 45 min
